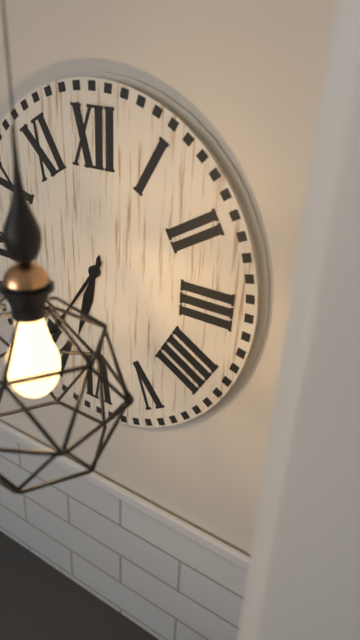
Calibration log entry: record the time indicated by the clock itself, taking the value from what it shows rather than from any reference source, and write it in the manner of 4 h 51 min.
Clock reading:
6 h 36 min
